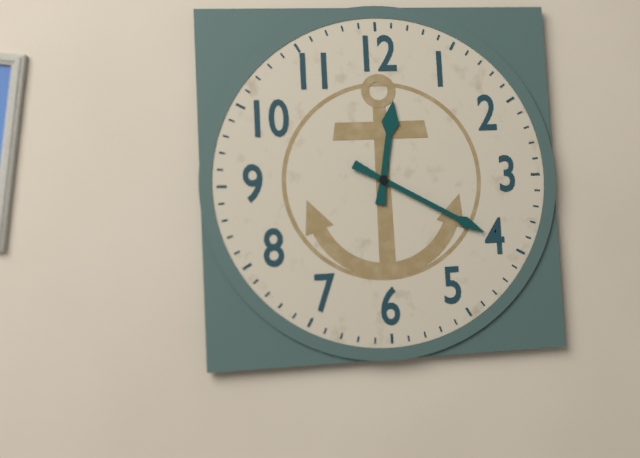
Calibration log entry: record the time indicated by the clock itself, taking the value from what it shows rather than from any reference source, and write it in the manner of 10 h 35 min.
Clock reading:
12 h 20 min
